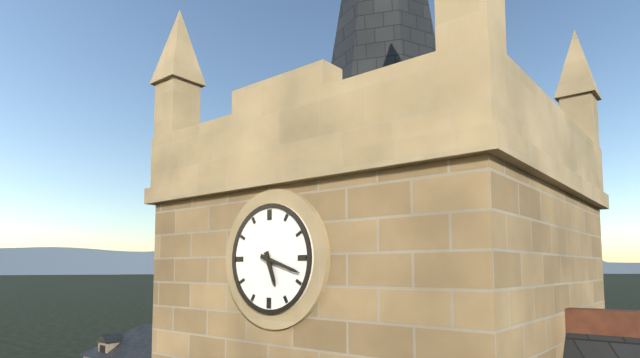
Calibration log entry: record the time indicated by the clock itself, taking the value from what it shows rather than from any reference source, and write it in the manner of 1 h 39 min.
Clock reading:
5 h 18 min
